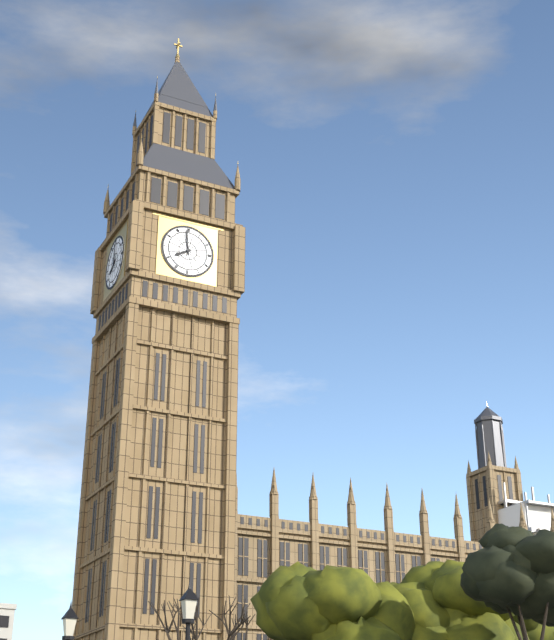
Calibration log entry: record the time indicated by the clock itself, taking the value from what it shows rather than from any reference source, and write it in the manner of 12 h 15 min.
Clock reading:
7 h 59 min
